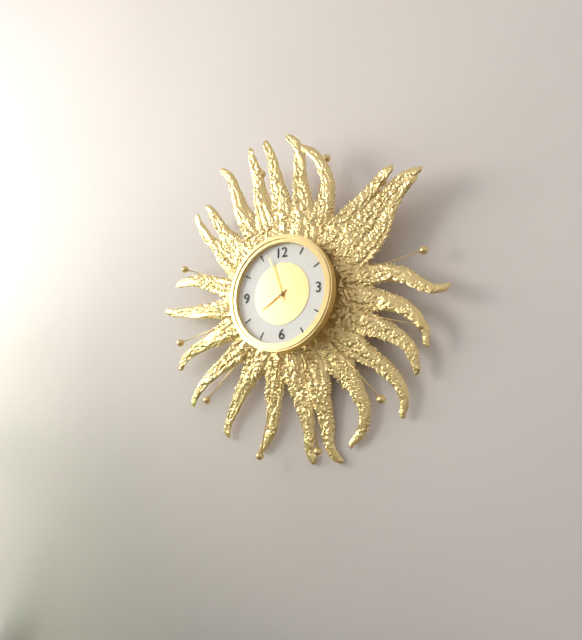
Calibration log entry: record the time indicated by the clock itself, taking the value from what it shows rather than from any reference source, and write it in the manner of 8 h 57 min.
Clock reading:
7 h 57 min
